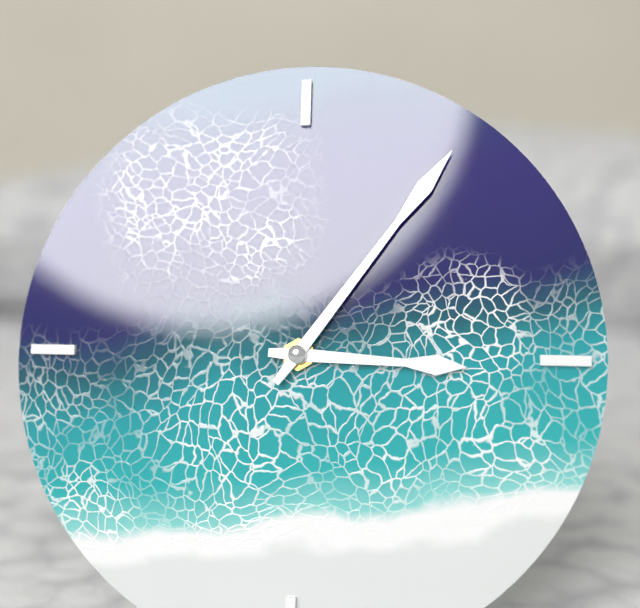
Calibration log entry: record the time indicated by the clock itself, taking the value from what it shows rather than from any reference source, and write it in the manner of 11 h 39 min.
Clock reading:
3 h 06 min
